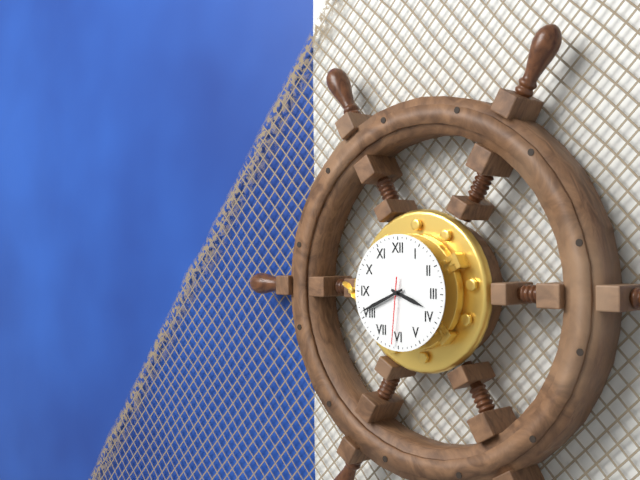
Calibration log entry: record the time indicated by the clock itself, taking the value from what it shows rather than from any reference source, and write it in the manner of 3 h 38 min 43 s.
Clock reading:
3 h 41 min 31 s
